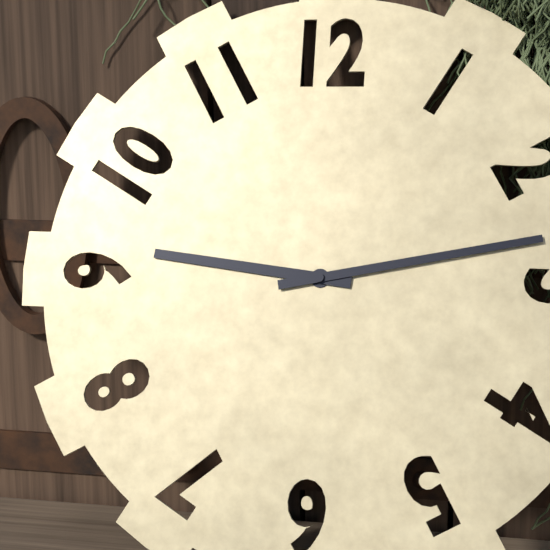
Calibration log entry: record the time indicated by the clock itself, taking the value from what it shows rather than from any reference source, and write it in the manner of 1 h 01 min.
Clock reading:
9 h 13 min
